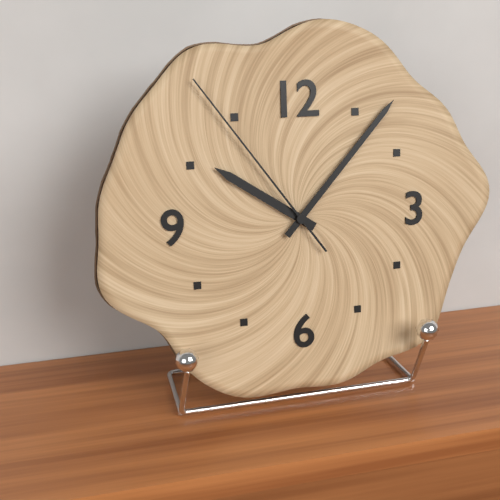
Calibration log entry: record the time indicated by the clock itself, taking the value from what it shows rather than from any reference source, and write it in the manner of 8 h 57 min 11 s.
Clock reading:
10 h 07 min 54 s
